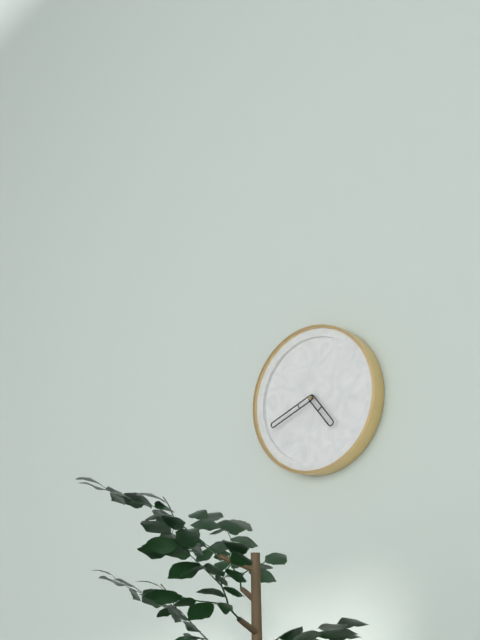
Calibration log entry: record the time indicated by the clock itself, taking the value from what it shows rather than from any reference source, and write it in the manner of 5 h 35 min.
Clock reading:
4 h 41 min
